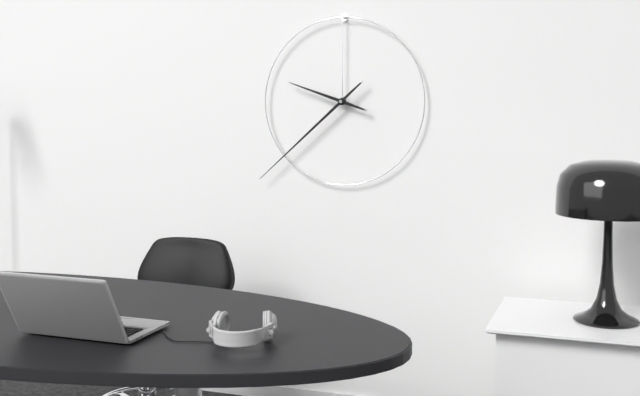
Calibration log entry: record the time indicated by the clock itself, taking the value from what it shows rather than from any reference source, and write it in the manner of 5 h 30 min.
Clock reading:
9 h 38 min
